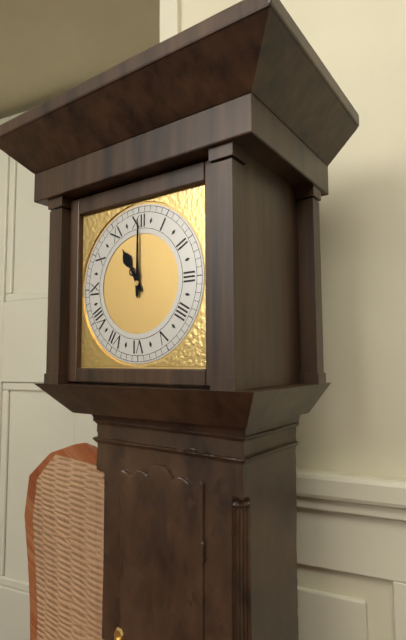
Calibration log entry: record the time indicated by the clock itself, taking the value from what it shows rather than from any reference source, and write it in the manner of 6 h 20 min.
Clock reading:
11 h 00 min
